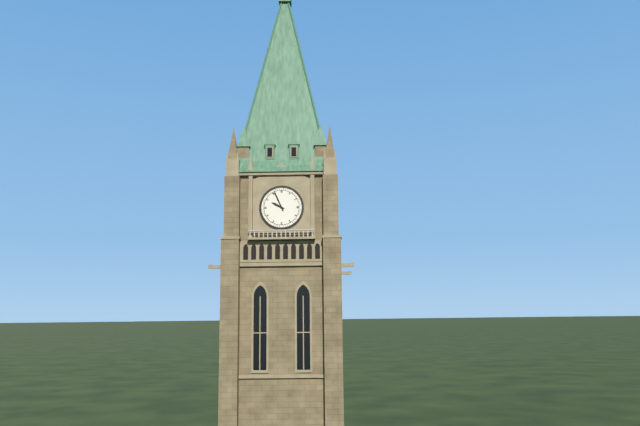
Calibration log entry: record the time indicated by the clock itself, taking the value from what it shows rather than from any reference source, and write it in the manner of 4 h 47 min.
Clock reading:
9 h 56 min
